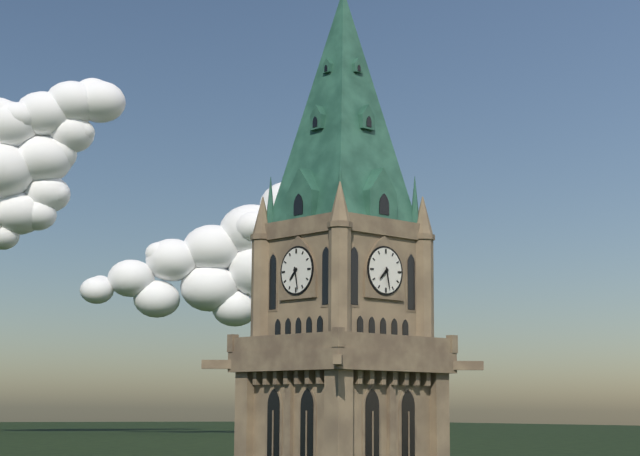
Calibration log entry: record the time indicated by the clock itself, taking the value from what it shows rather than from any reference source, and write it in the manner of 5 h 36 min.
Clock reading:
7 h 28 min
